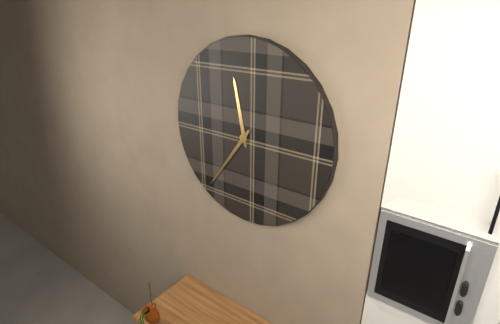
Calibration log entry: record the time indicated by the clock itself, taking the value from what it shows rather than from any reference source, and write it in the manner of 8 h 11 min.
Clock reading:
11 h 36 min
